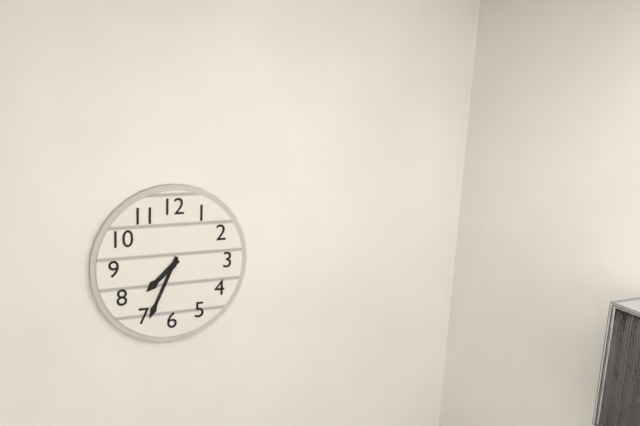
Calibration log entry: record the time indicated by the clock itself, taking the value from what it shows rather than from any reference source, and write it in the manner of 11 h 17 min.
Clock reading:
7 h 34 min
